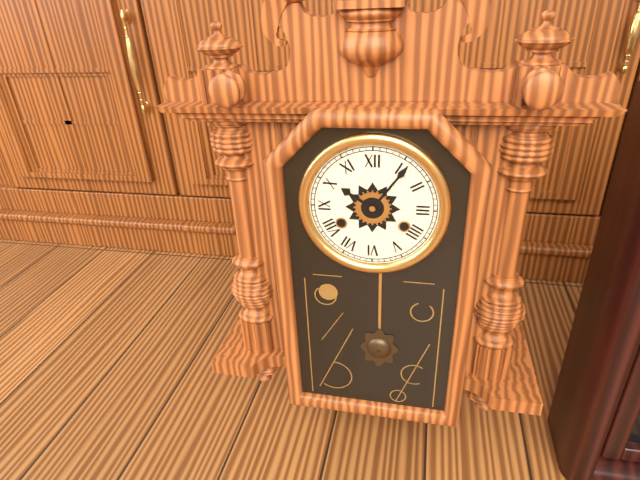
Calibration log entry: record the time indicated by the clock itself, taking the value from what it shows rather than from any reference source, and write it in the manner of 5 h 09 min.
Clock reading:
10 h 06 min
